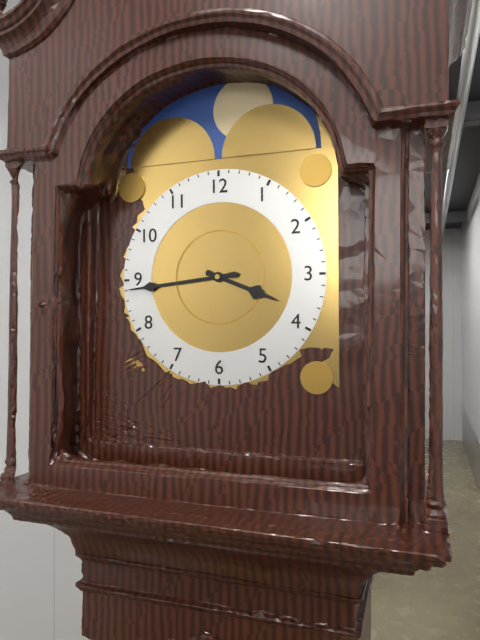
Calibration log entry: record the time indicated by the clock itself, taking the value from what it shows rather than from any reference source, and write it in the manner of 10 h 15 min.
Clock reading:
3 h 44 min
